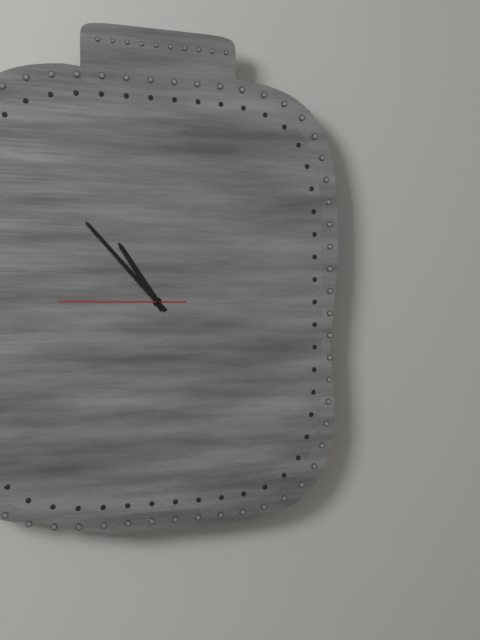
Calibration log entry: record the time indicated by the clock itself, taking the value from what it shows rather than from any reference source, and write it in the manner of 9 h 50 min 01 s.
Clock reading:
10 h 53 min 45 s
